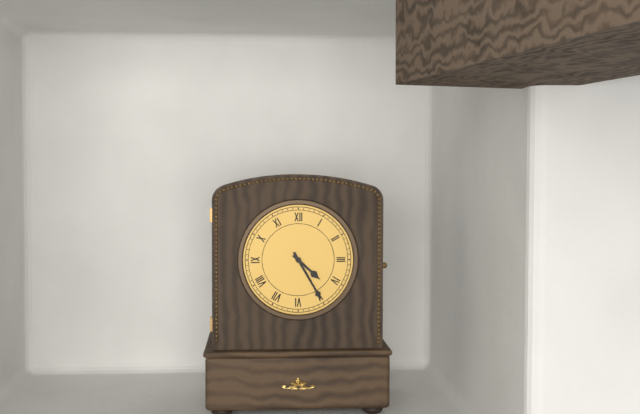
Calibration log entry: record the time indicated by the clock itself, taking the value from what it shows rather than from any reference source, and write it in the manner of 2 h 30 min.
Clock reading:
4 h 25 min
